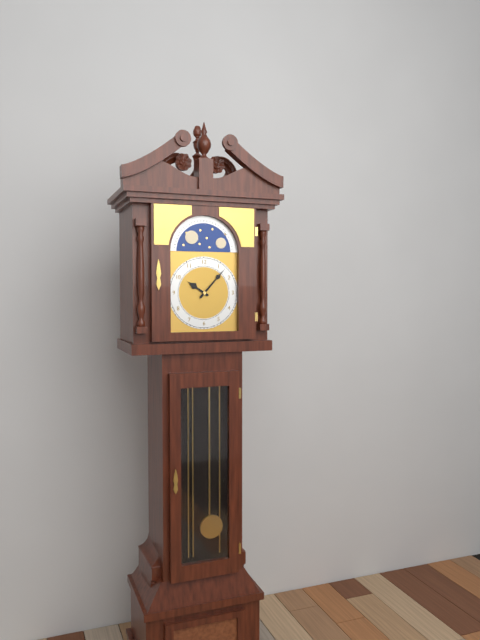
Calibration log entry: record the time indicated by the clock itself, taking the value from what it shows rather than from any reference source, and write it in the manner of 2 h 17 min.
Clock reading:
10 h 07 min
